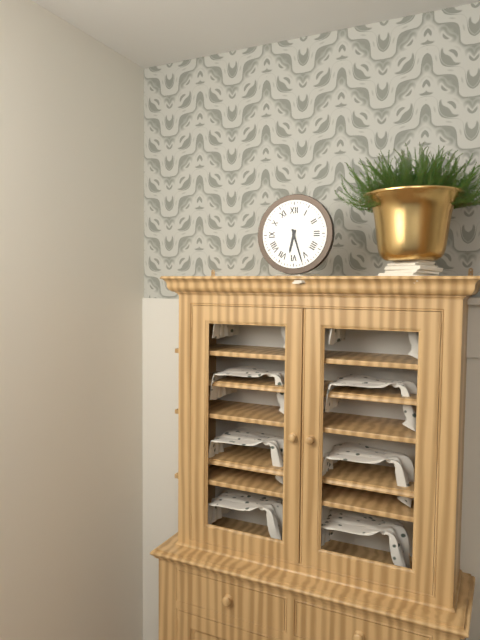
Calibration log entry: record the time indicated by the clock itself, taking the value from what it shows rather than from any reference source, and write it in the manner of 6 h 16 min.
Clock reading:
6 h 27 min
